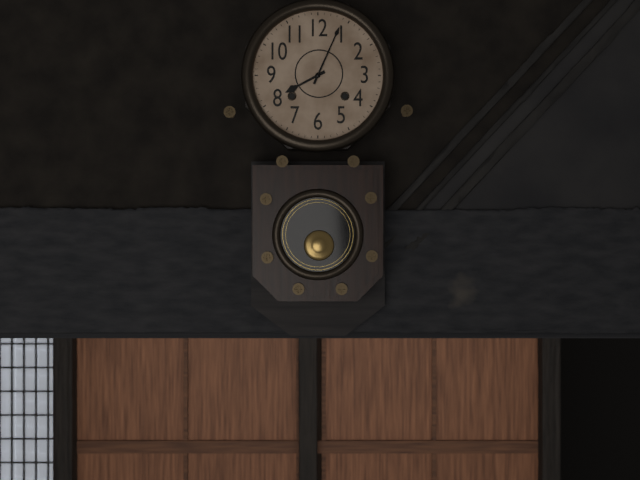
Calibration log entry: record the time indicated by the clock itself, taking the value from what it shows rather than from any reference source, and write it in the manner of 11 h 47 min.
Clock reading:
8 h 04 min
